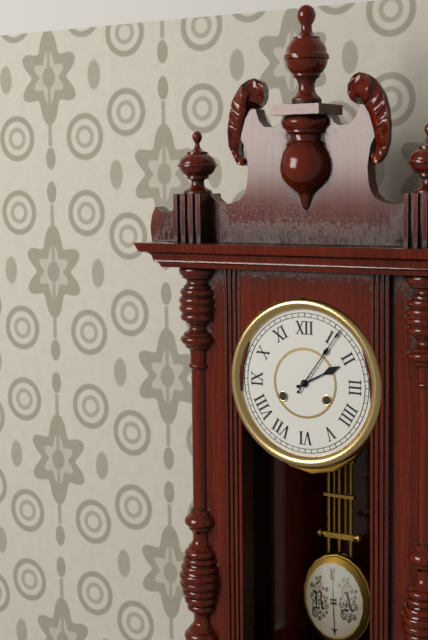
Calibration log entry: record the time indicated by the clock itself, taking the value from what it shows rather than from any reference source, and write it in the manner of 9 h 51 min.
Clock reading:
2 h 06 min
